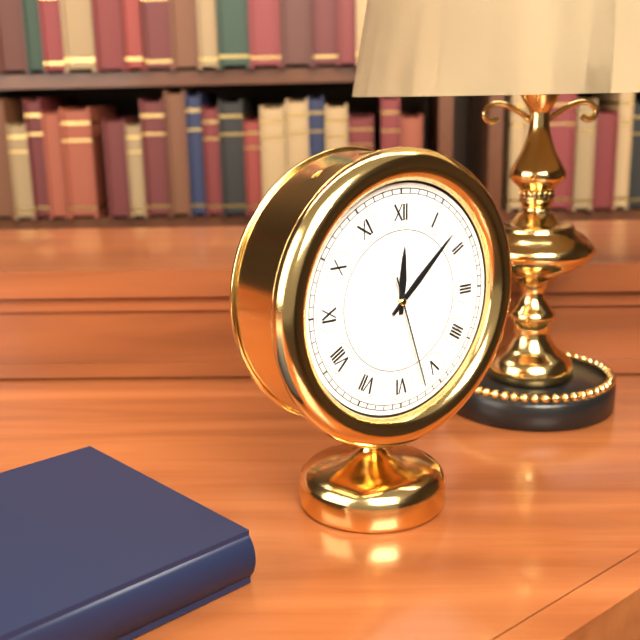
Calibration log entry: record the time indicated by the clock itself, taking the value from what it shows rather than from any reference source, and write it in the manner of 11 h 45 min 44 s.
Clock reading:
12 h 08 min 27 s
